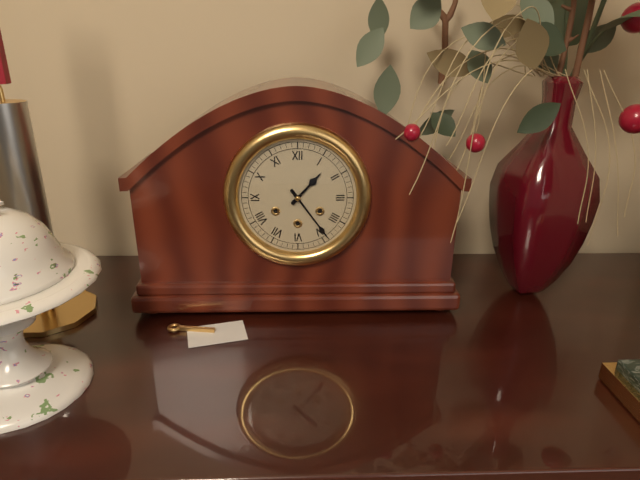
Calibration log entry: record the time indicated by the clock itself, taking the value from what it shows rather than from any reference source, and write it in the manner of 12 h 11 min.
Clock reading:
1 h 24 min
